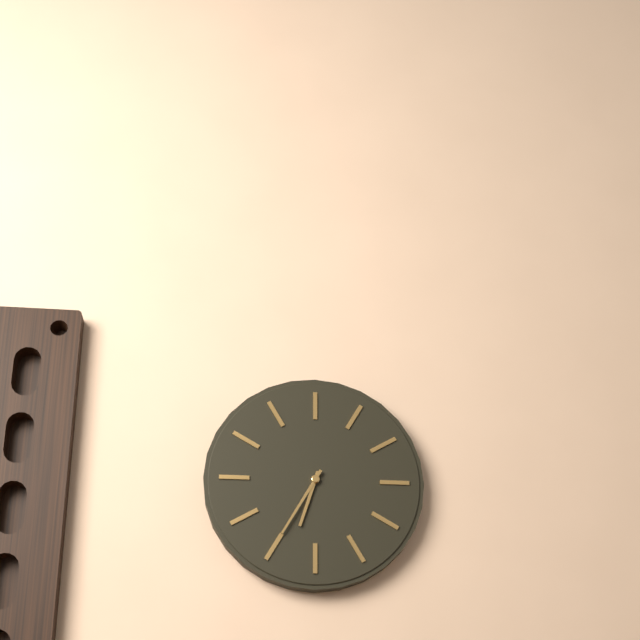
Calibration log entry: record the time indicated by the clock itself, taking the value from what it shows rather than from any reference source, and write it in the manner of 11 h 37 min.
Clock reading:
6 h 35 min
